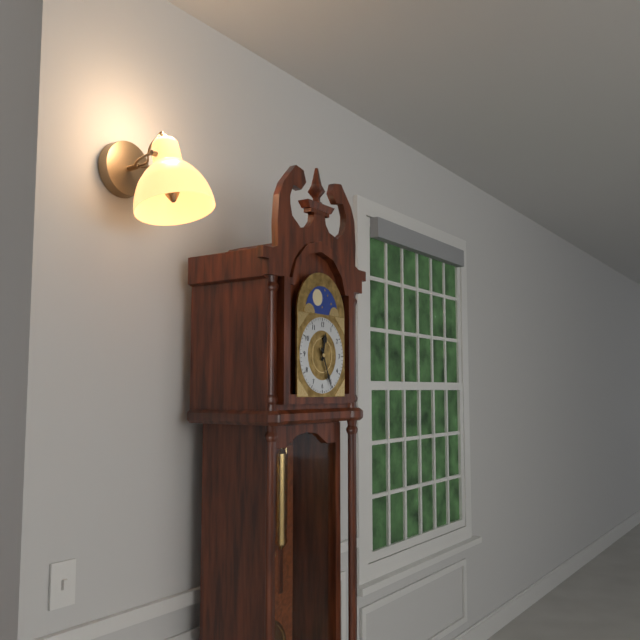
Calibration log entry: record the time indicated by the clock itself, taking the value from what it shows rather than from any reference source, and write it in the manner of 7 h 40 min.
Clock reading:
12 h 26 min
